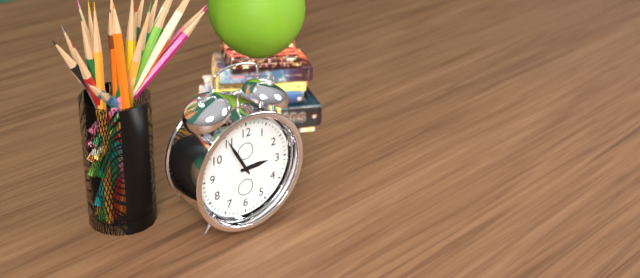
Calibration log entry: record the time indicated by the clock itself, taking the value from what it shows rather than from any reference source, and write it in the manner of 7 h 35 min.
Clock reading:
2 h 55 min
